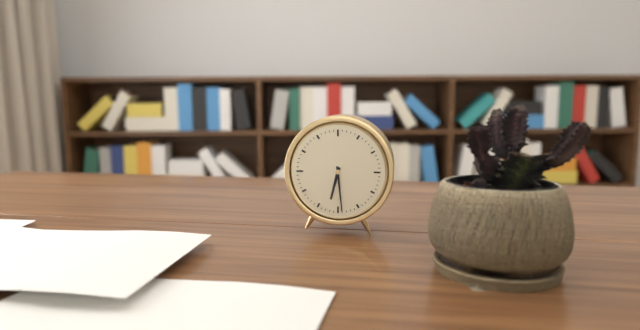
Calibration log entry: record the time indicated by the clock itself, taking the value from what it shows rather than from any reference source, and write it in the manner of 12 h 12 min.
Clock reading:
6 h 29 min
